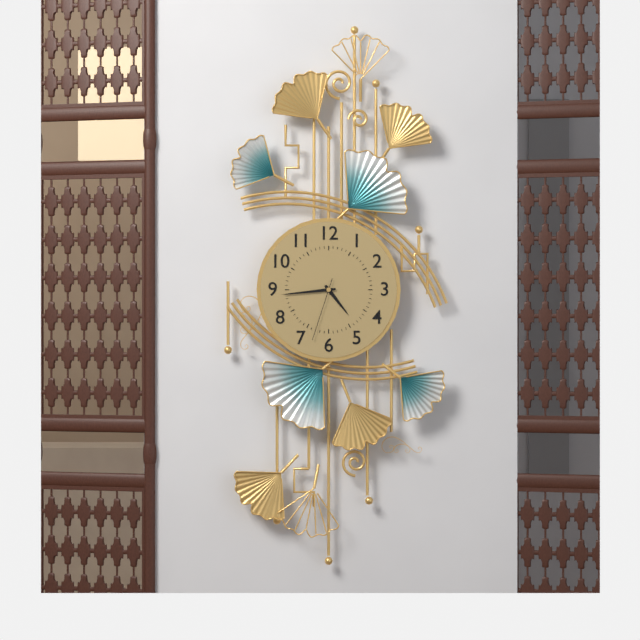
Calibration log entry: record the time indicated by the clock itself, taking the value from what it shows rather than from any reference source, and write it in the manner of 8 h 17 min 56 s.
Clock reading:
4 h 44 min 33 s
